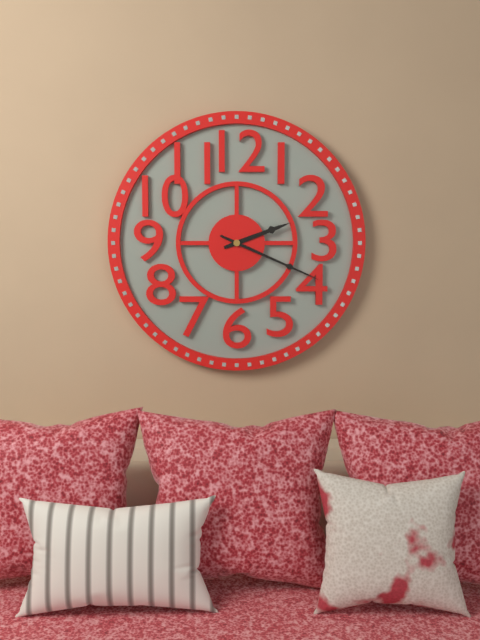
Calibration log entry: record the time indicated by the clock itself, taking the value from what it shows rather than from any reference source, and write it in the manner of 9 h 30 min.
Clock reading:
2 h 19 min
